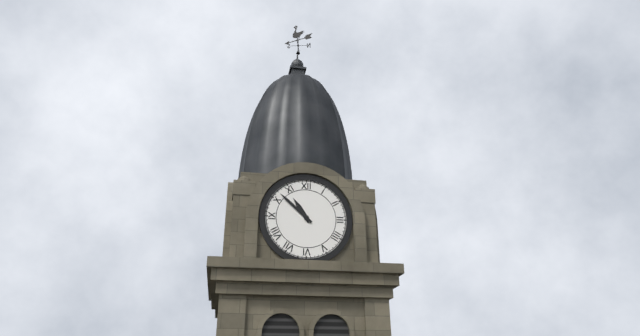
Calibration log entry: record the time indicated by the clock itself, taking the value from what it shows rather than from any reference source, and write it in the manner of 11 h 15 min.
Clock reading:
10 h 52 min
